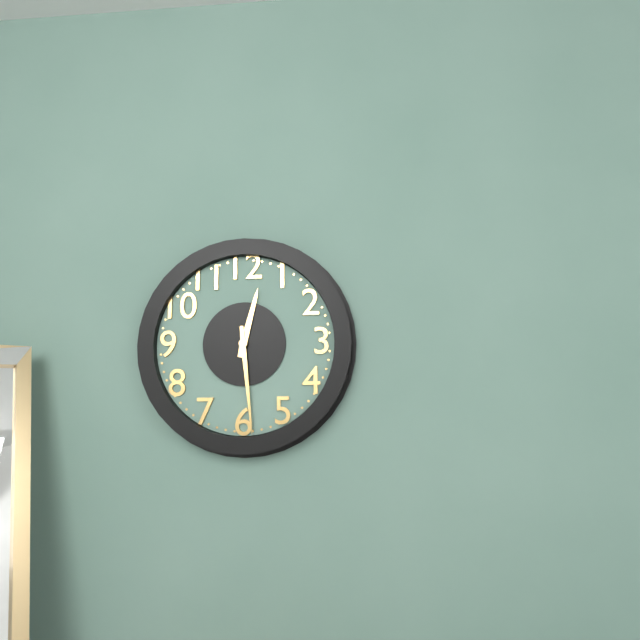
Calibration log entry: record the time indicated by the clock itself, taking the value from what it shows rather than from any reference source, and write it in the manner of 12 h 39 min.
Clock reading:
12 h 29 min
